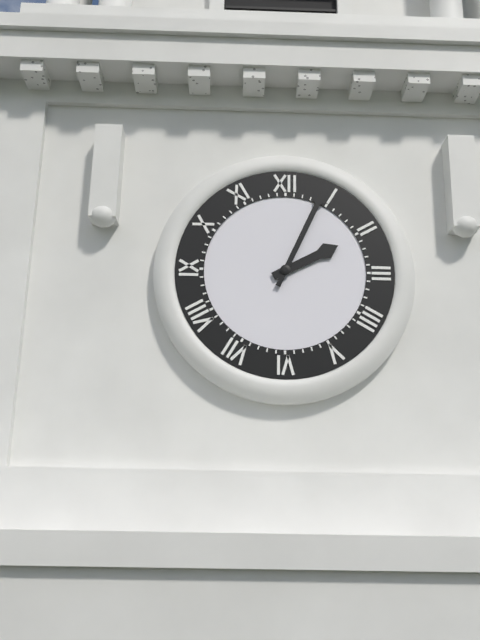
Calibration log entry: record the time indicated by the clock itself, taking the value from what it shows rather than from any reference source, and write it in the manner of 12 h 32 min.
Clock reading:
2 h 04 min
